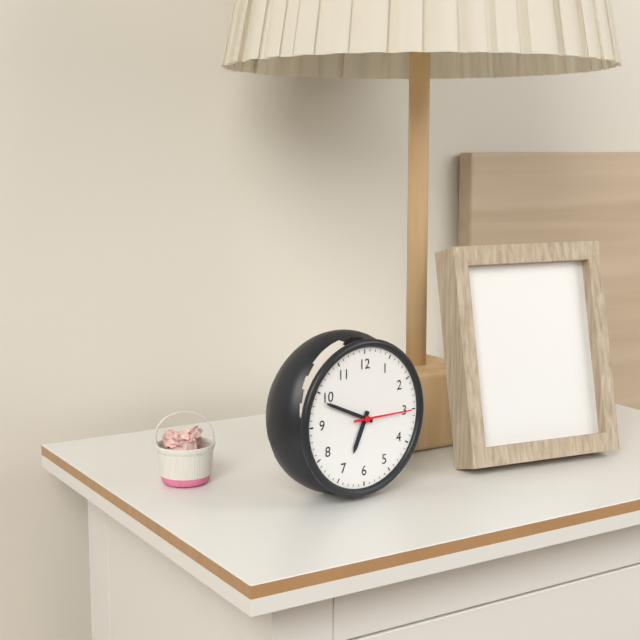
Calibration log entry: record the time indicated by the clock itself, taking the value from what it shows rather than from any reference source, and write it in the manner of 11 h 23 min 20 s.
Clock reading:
6 h 49 min 15 s
